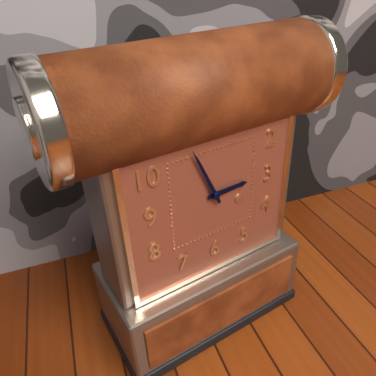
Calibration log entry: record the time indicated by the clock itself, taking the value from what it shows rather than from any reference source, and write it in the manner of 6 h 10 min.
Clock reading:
2 h 56 min
